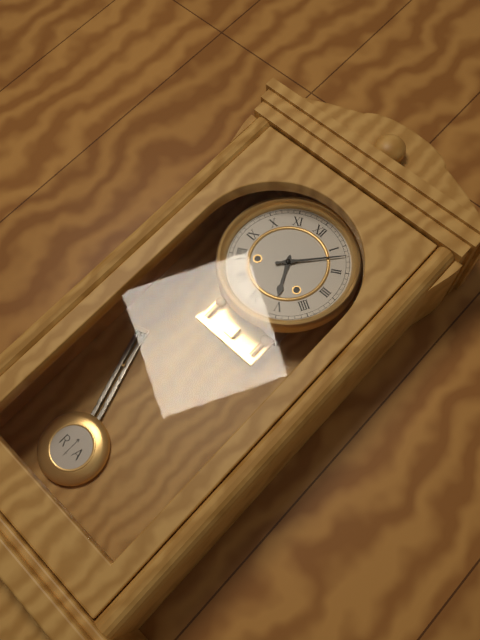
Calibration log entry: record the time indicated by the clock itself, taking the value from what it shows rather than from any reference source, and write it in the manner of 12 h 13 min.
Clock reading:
5 h 07 min
